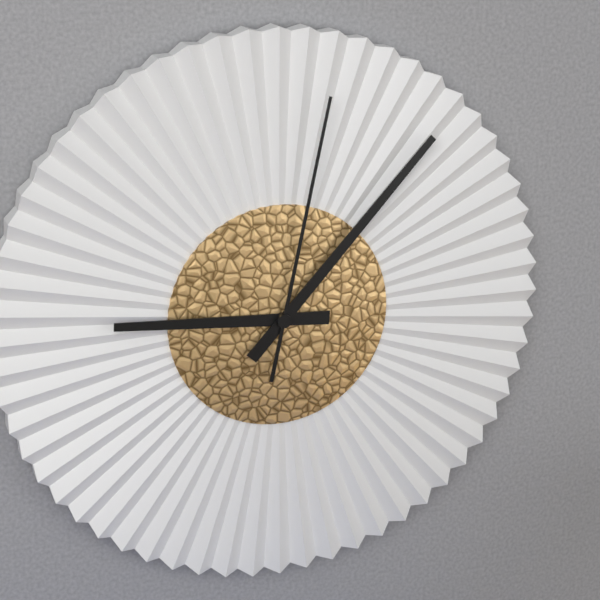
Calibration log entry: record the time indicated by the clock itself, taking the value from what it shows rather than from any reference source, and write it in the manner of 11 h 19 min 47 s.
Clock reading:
9 h 07 min 02 s
